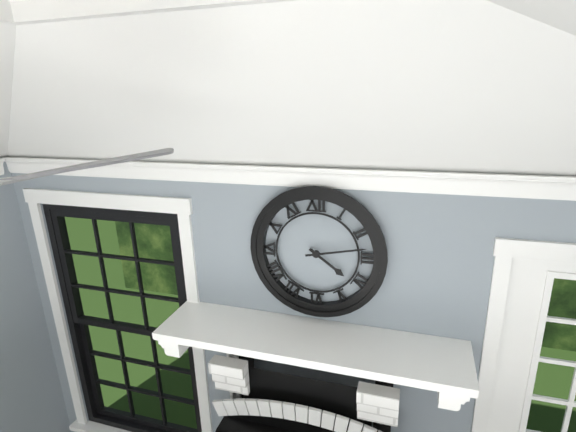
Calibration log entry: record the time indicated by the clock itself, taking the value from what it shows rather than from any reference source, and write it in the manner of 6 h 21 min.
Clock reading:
4 h 13 min
